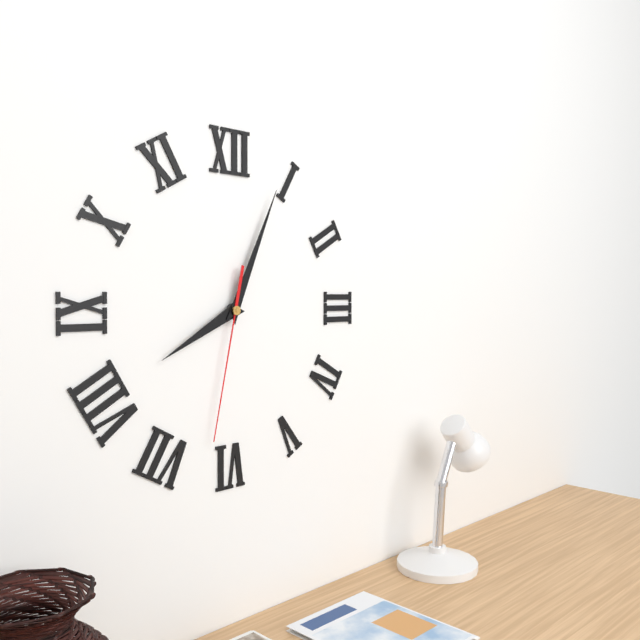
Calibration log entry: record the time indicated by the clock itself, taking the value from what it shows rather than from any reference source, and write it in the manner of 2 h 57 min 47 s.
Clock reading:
8 h 04 min 32 s
